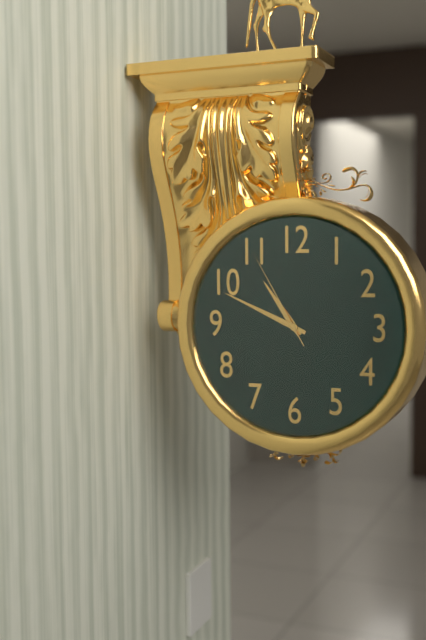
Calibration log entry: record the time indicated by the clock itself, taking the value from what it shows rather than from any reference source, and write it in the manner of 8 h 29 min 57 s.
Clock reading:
10 h 49 min 55 s
